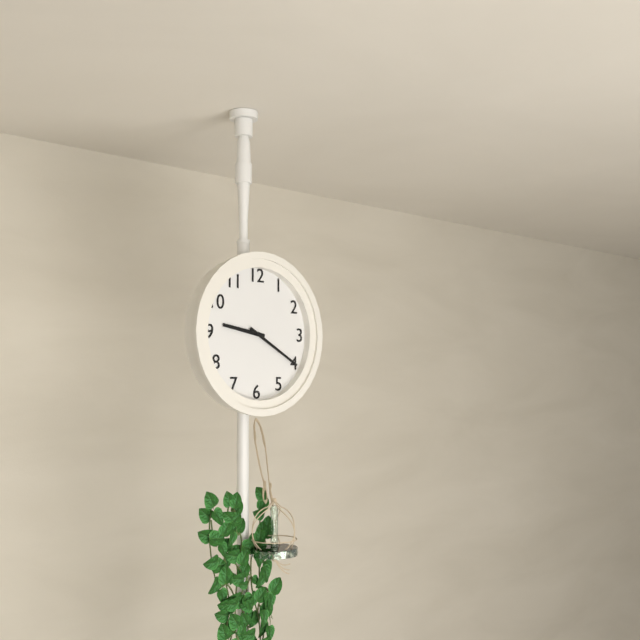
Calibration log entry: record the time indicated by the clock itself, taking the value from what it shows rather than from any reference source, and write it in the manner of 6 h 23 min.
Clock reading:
9 h 20 min
